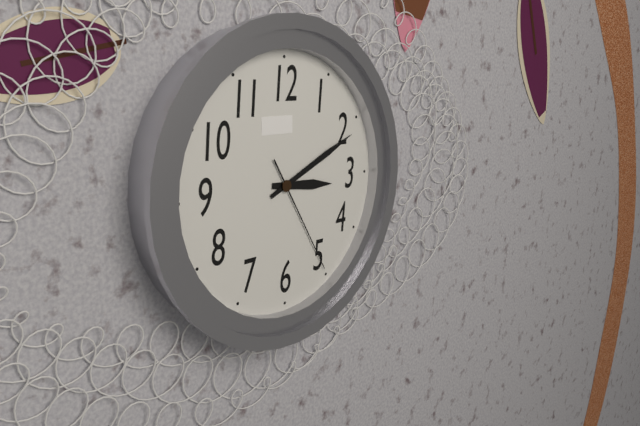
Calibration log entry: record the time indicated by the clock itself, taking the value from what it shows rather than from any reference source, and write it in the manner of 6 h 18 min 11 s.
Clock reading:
3 h 11 min 25 s
